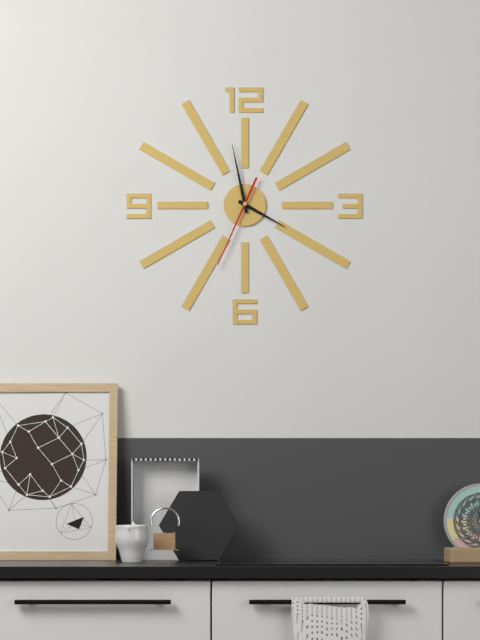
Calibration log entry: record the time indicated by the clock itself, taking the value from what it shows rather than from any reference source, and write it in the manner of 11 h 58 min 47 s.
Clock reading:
3 h 58 min 34 s
